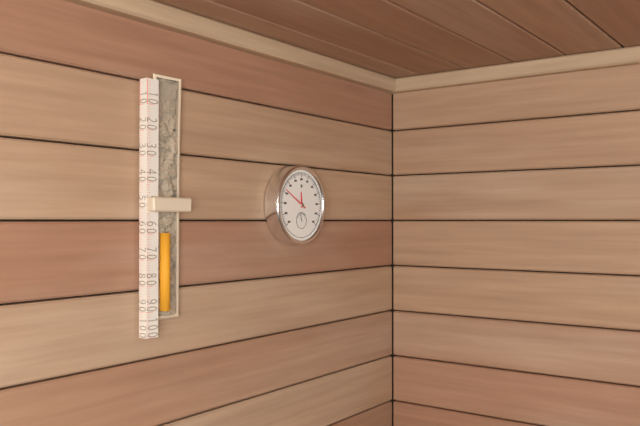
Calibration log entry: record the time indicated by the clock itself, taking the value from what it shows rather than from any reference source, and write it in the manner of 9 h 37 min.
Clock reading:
11 h 50 min
